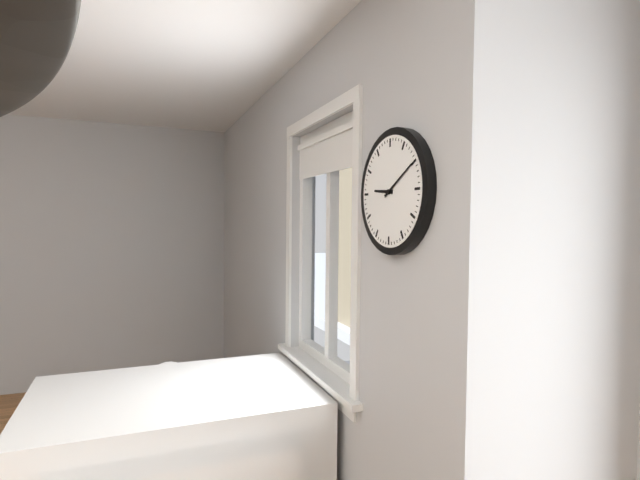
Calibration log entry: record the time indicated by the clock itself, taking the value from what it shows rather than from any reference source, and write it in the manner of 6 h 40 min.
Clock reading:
9 h 10 min
